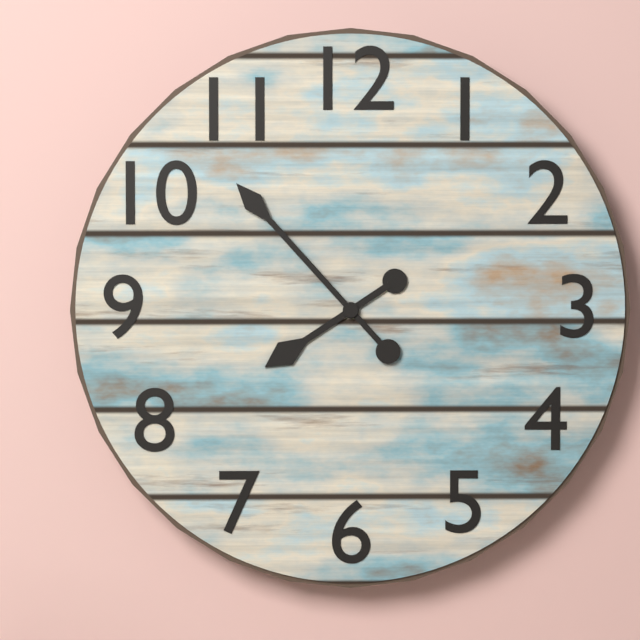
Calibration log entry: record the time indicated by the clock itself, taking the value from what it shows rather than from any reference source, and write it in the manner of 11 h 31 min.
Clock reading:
7 h 53 min
